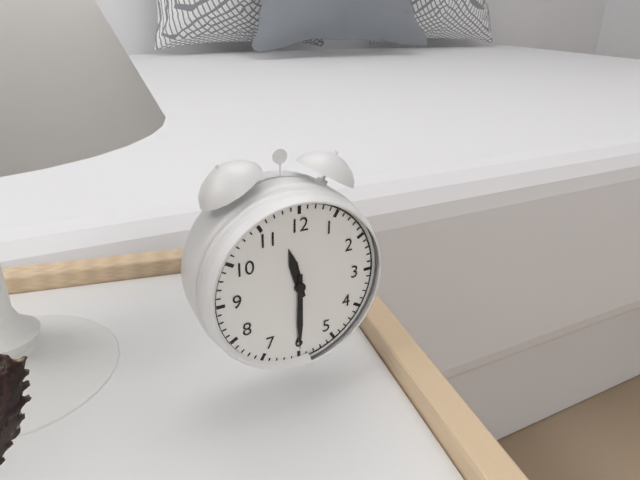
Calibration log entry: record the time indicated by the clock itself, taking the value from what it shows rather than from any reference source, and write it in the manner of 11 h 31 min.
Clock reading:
11 h 30 min
